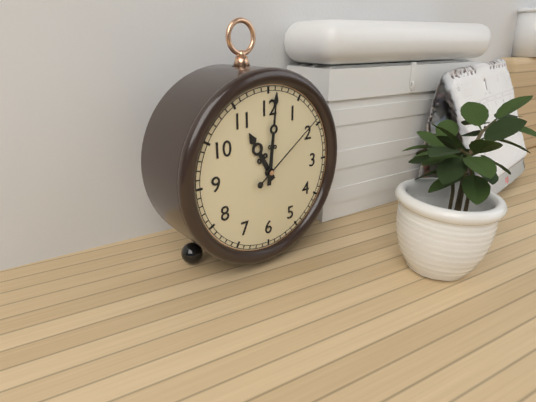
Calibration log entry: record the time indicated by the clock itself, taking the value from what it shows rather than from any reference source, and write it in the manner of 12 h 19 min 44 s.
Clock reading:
11 h 01 min 09 s
